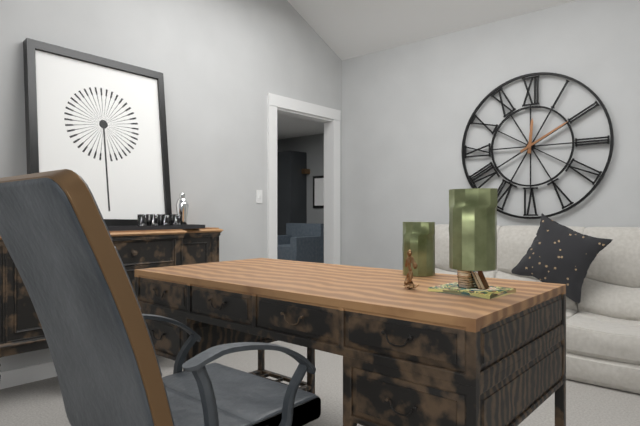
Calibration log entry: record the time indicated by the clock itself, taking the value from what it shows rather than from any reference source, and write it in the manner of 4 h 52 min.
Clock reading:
12 h 10 min
